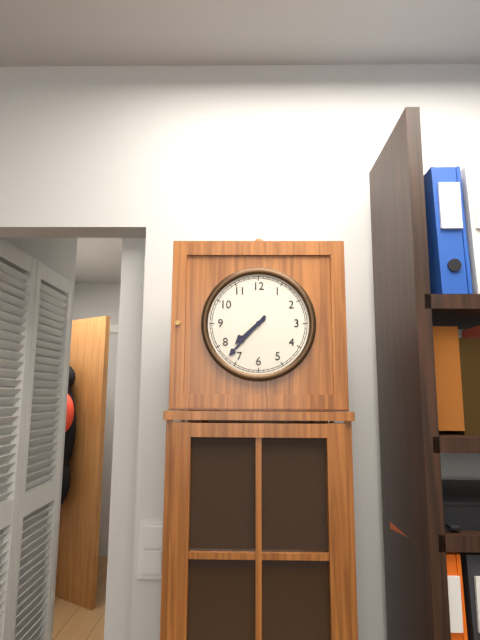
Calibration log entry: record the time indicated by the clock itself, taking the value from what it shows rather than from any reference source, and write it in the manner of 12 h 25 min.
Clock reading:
7 h 37 min
